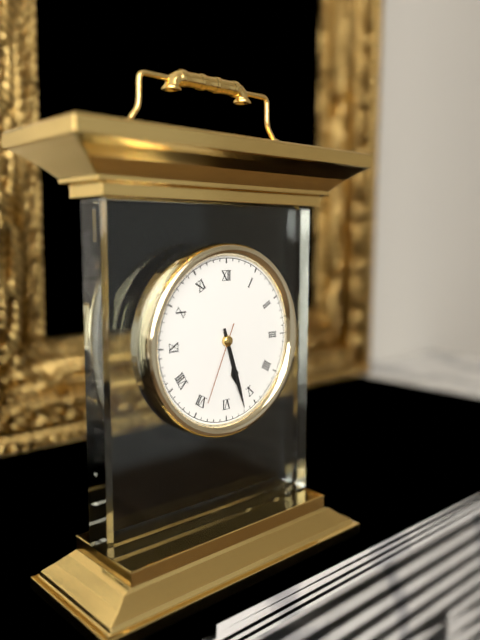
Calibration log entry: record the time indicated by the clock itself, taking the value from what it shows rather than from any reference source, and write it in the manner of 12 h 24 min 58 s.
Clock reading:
5 h 27 min 34 s
